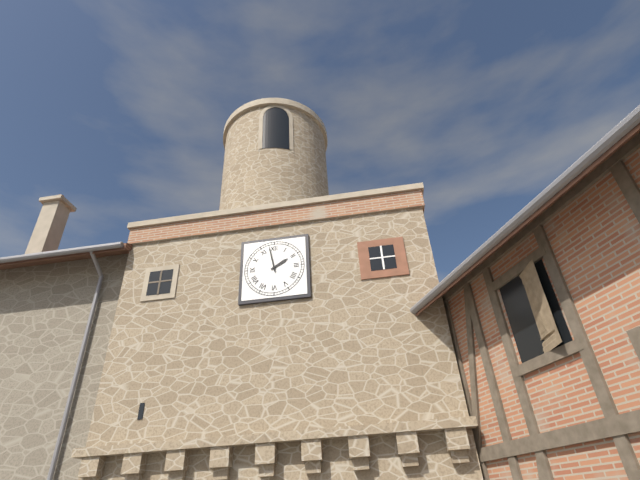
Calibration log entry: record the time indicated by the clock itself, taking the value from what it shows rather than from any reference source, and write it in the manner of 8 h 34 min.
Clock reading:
1 h 58 min
